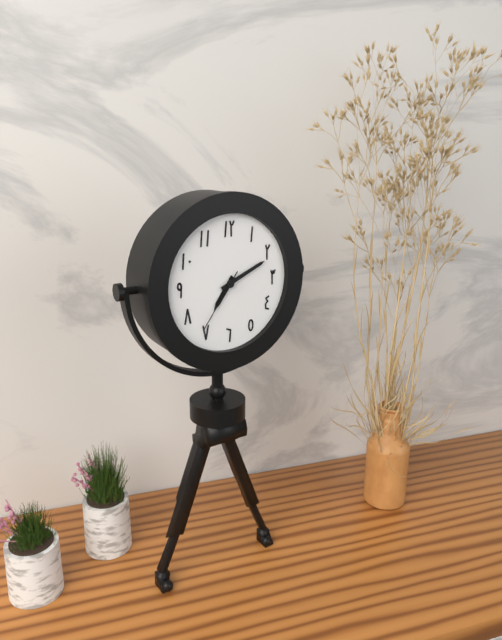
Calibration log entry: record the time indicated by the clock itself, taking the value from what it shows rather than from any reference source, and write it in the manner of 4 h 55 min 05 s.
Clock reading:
7 h 11 min 36 s
